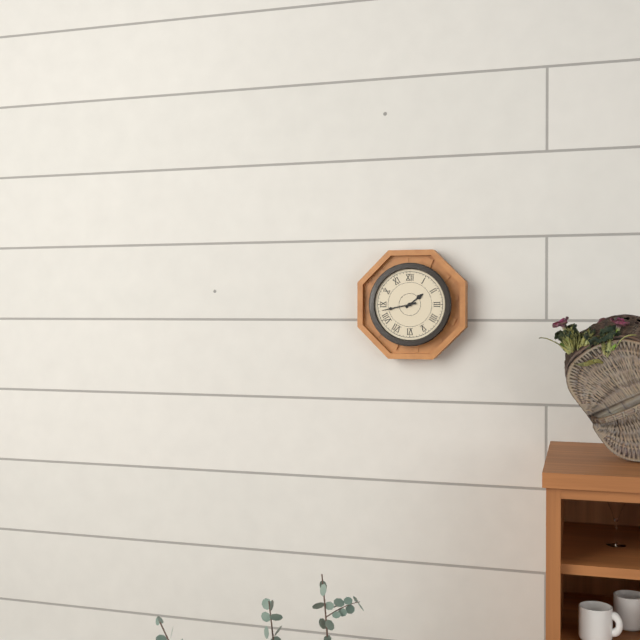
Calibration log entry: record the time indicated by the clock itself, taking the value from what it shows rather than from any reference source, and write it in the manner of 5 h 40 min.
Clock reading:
1 h 43 min
